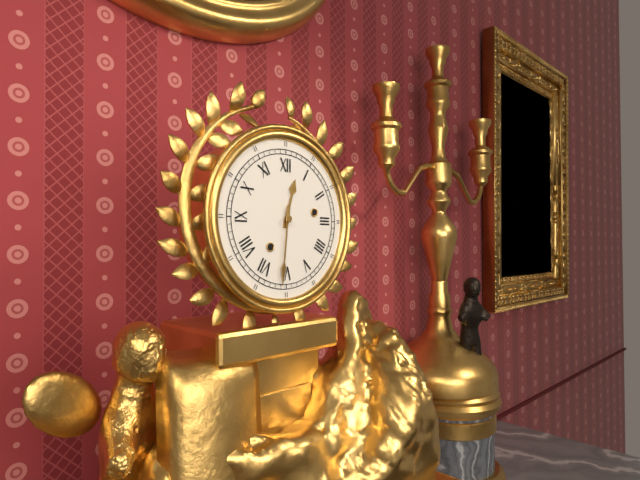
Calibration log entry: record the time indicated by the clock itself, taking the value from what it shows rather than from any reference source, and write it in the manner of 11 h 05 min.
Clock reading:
12 h 31 min
